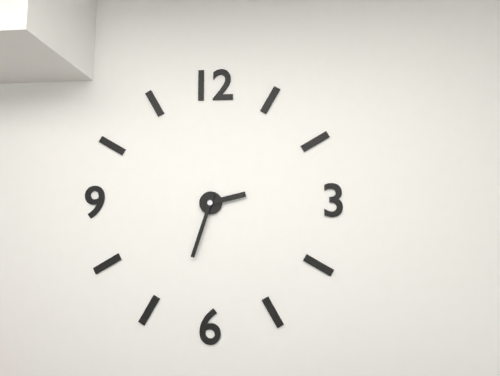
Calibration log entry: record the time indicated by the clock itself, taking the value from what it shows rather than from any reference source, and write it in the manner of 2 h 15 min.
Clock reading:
2 h 33 min
